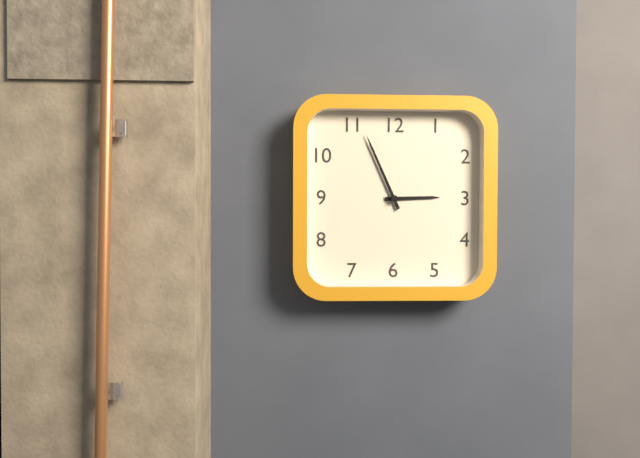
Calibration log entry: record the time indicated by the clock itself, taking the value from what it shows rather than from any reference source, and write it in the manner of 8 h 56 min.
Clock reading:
2 h 56 min
